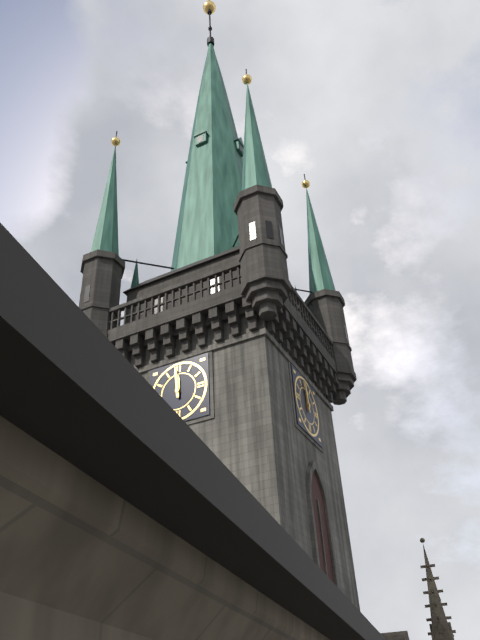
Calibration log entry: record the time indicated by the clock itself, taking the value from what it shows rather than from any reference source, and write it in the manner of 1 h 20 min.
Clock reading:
11 h 59 min
